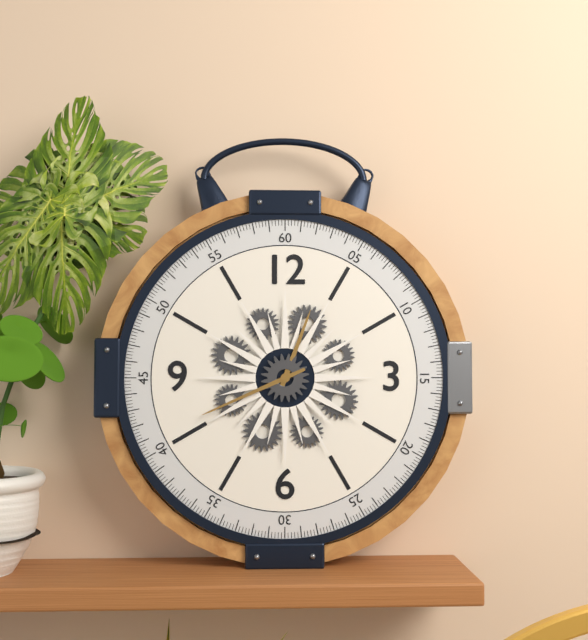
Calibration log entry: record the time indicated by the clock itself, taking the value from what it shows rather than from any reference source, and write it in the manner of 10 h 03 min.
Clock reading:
12 h 41 min
